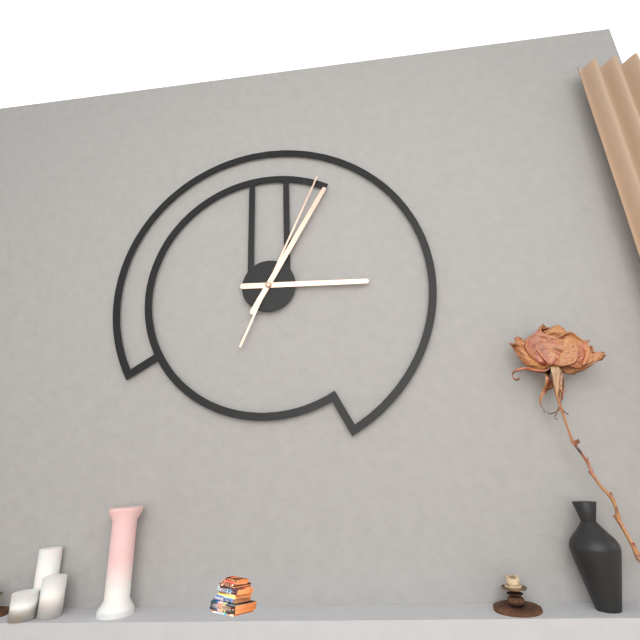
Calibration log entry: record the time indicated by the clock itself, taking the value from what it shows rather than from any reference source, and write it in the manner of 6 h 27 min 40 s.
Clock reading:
3 h 05 min 04 s
